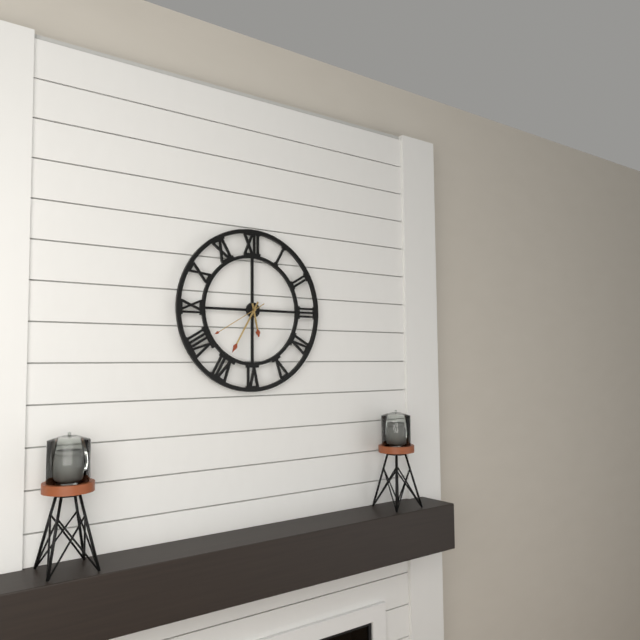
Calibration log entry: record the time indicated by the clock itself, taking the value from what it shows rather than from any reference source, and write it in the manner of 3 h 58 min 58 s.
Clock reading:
5 h 35 min 40 s
